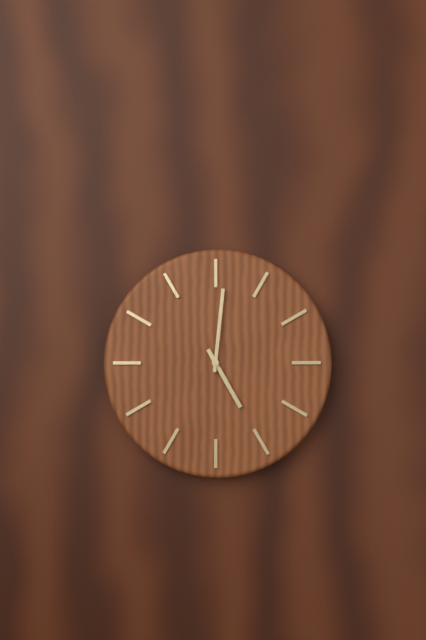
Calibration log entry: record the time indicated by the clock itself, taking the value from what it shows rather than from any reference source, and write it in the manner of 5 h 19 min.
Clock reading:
5 h 01 min
